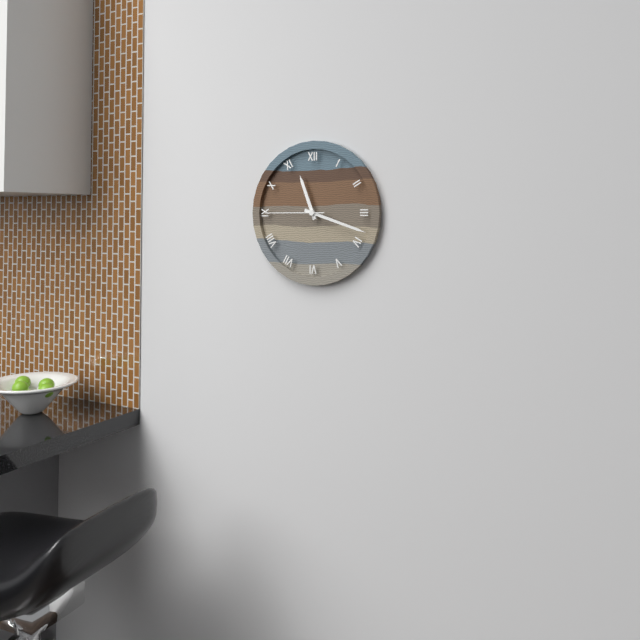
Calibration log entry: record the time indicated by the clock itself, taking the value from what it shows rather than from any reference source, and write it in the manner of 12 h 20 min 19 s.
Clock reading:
11 h 18 min 45 s
